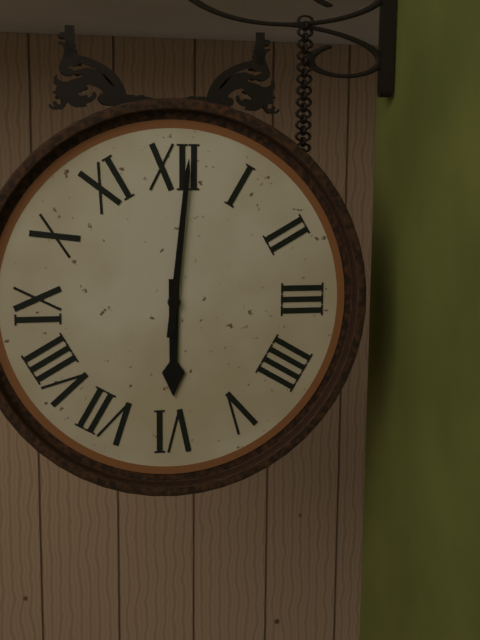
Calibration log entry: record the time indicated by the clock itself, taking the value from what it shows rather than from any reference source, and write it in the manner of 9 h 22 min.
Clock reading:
6 h 01 min
